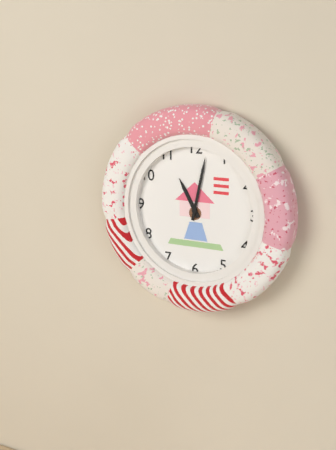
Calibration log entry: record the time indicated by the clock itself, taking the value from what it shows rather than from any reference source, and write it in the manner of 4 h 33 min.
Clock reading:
11 h 02 min
